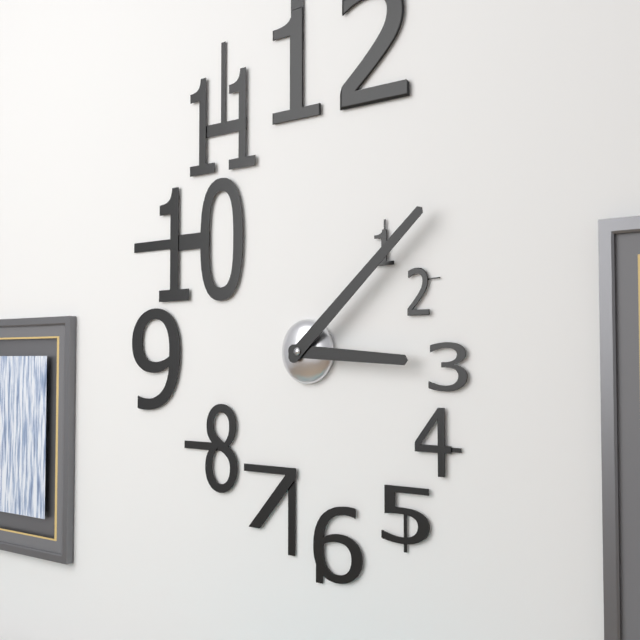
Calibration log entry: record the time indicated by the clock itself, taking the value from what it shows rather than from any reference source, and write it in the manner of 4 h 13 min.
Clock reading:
3 h 08 min
